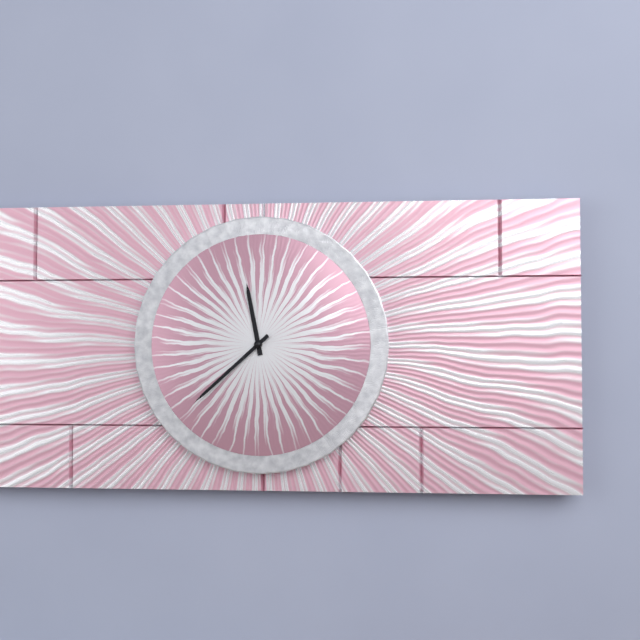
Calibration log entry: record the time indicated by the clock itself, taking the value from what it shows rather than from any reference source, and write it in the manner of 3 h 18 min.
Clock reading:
11 h 38 min
